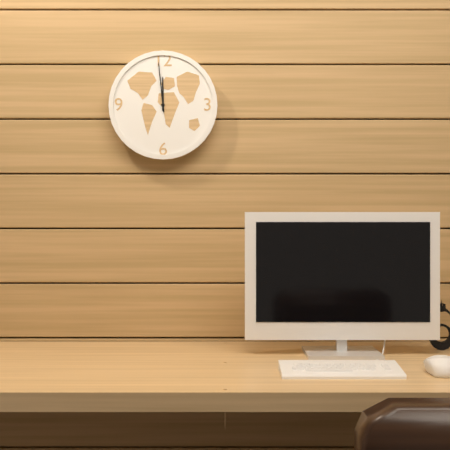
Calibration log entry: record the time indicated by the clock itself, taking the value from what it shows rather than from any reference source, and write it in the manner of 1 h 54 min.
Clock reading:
11 h 59 min
